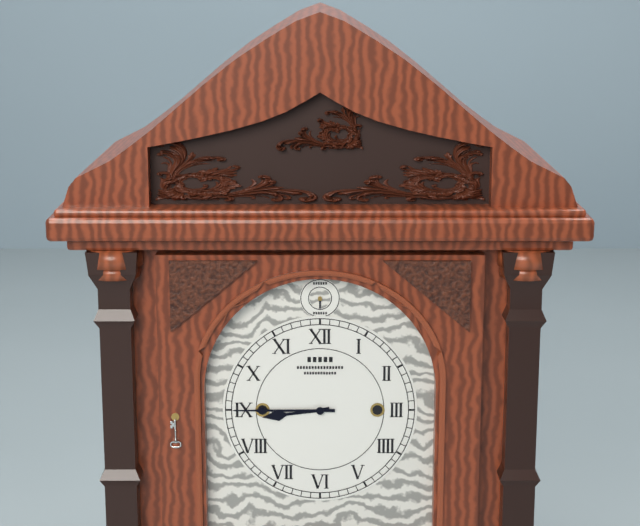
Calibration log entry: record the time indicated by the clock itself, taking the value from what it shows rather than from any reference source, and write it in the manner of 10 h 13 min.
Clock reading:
8 h 45 min
